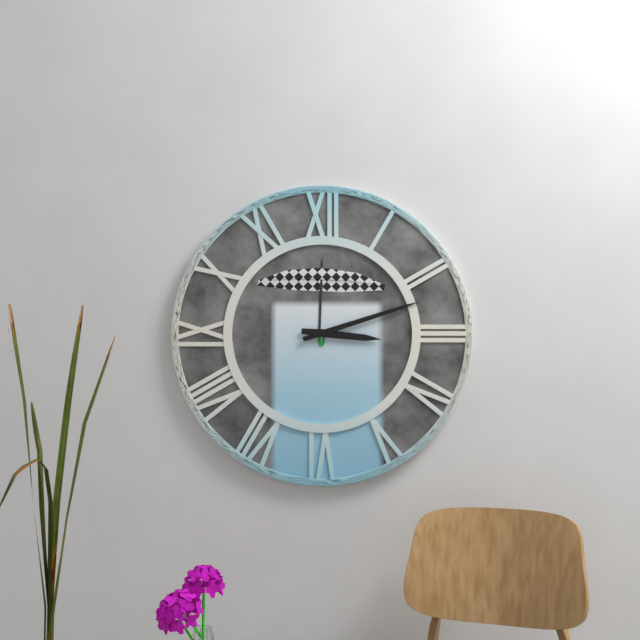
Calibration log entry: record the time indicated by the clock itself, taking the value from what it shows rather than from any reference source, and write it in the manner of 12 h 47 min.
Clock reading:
3 h 12 min
